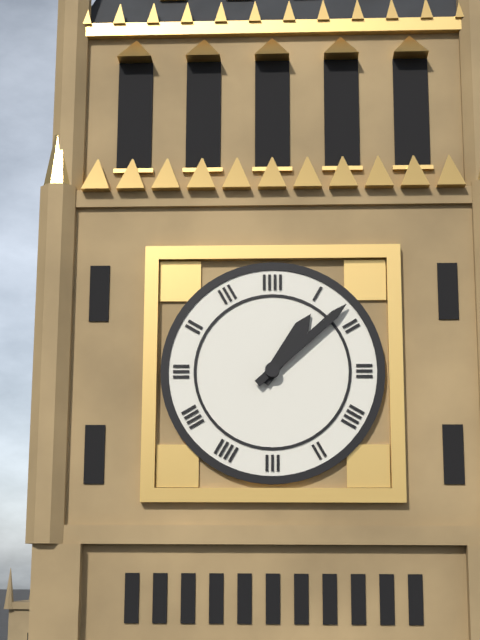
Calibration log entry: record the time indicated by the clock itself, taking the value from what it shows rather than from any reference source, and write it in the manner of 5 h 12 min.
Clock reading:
1 h 08 min
